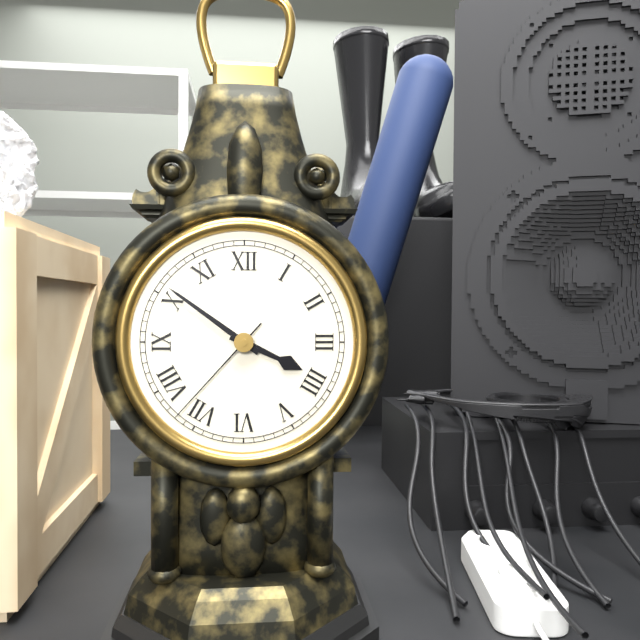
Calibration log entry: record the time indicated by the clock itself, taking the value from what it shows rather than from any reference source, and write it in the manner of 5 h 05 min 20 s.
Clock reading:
3 h 51 min 37 s
